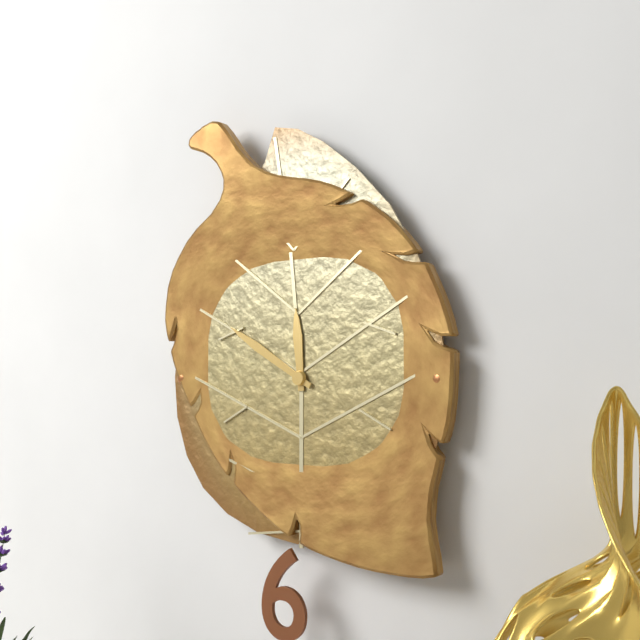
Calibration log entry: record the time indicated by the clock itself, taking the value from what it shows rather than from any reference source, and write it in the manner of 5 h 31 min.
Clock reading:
11 h 50 min
